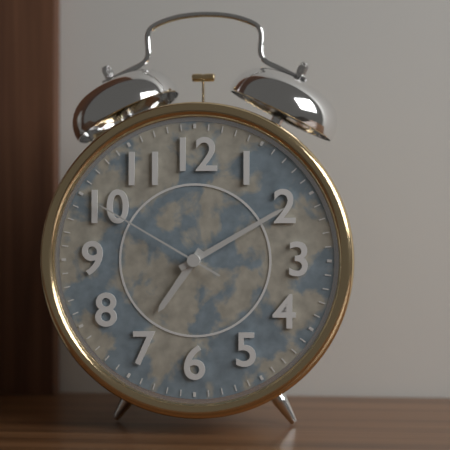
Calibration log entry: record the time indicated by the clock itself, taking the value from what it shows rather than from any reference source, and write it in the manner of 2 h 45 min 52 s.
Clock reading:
7 h 10 min 50 s
